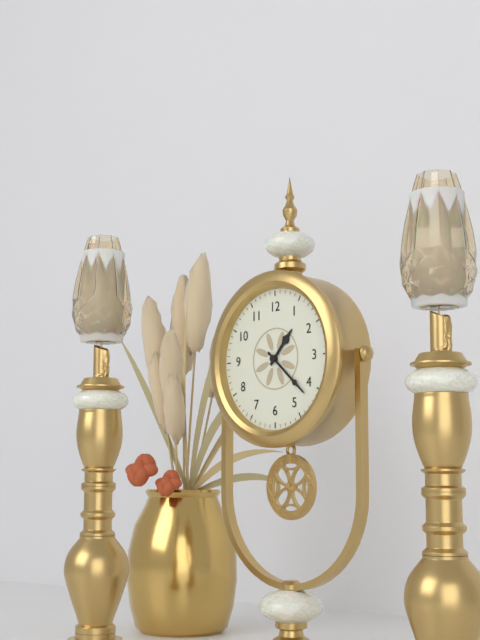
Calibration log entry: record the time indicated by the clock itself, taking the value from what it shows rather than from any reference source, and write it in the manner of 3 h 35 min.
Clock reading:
1 h 22 min
